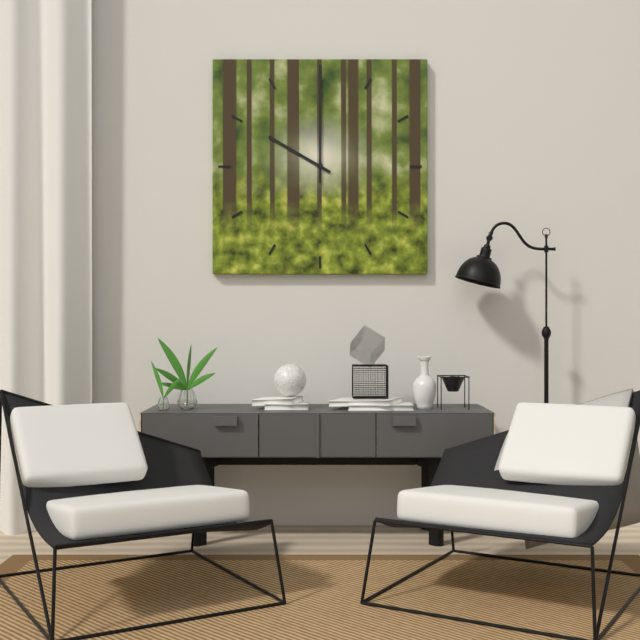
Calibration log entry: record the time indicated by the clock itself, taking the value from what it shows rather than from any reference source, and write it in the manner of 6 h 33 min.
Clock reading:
10 h 00 min
